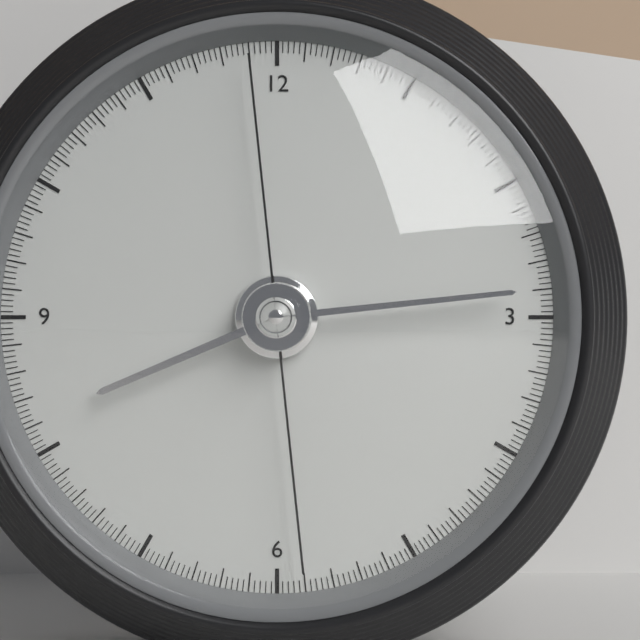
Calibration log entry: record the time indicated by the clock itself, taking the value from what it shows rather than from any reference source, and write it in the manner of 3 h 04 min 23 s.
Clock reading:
8 h 14 min 29 s
